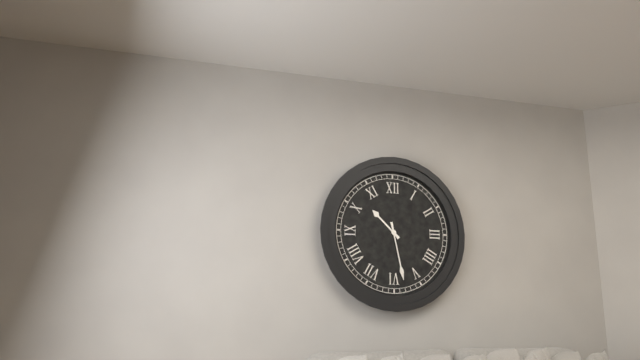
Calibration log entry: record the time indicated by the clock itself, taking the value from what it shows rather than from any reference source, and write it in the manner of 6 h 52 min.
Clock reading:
10 h 28 min
